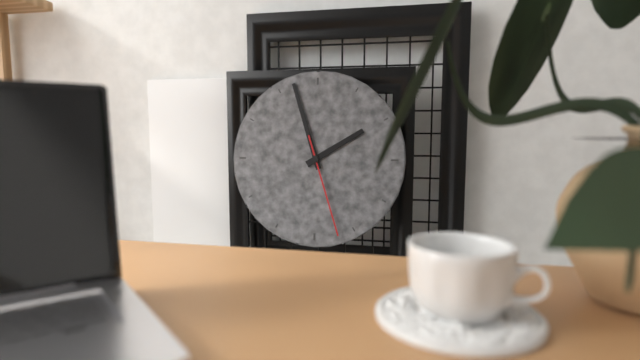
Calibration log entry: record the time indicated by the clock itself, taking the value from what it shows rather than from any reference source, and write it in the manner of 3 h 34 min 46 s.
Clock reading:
1 h 57 min 27 s
